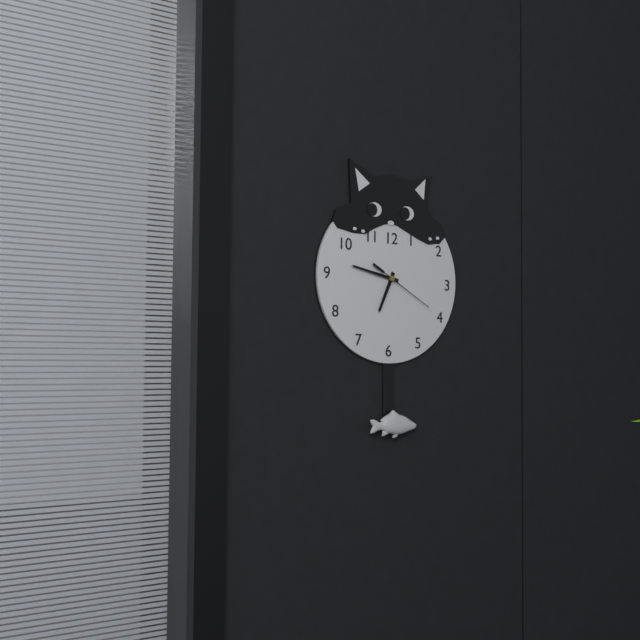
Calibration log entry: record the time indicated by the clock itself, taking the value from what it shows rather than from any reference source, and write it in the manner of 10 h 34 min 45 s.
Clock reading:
6 h 47 min 20 s
